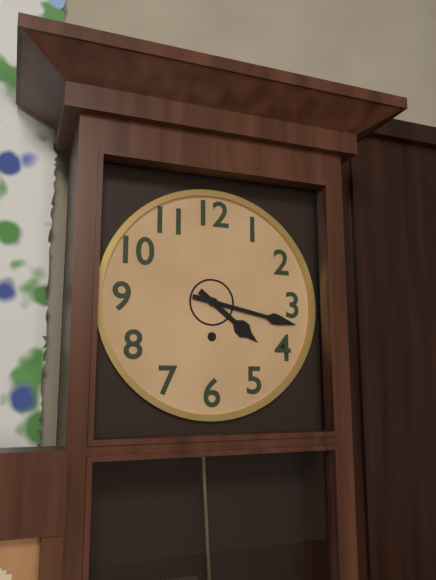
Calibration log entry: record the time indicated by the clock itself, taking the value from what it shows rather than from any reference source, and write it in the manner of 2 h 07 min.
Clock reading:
4 h 17 min
